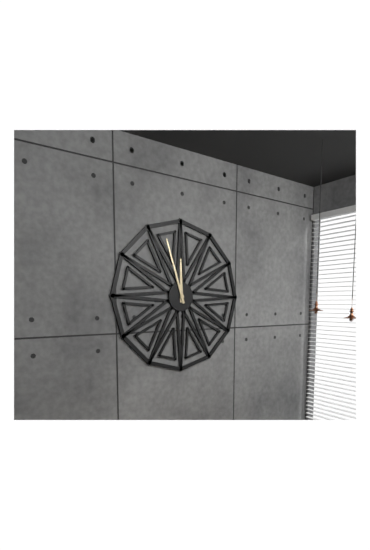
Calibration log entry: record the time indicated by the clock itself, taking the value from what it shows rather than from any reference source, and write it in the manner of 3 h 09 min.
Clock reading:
11 h 57 min
